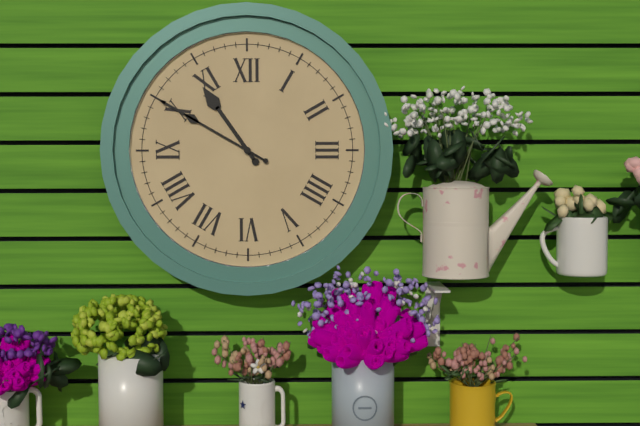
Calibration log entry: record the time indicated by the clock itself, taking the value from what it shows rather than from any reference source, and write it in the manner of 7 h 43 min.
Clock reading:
10 h 50 min
